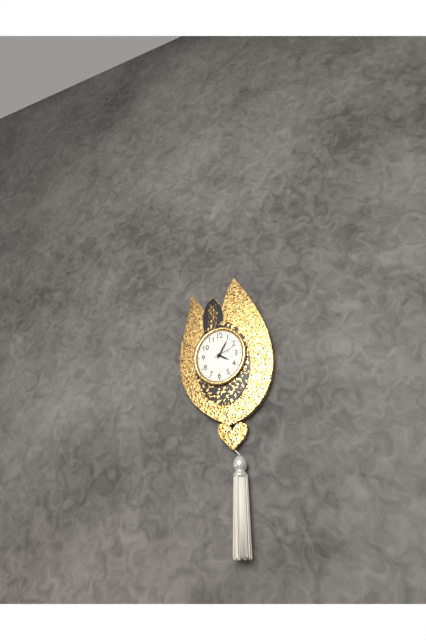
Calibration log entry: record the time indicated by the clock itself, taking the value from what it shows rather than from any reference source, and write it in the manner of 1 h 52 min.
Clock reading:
4 h 05 min
